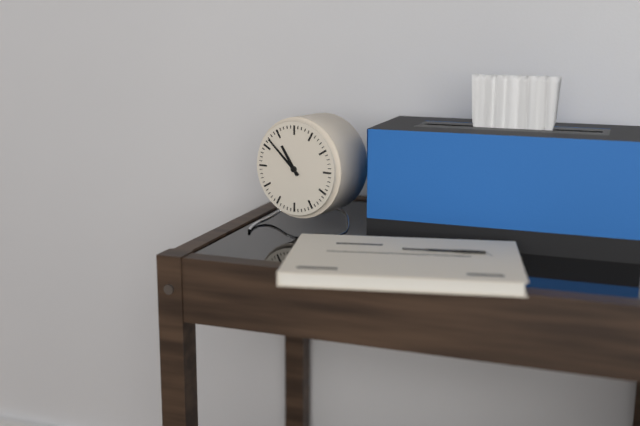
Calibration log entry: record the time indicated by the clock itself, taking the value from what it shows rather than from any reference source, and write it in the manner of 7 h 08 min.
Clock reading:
10 h 52 min
